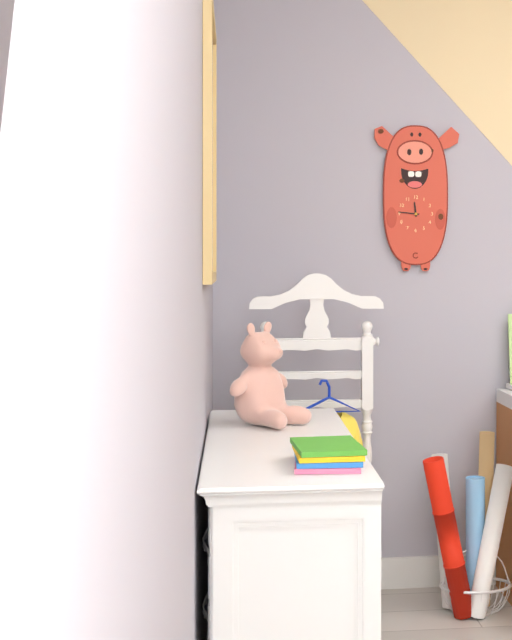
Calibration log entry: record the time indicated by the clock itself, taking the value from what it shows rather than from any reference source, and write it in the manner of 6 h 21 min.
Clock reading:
11 h 46 min
